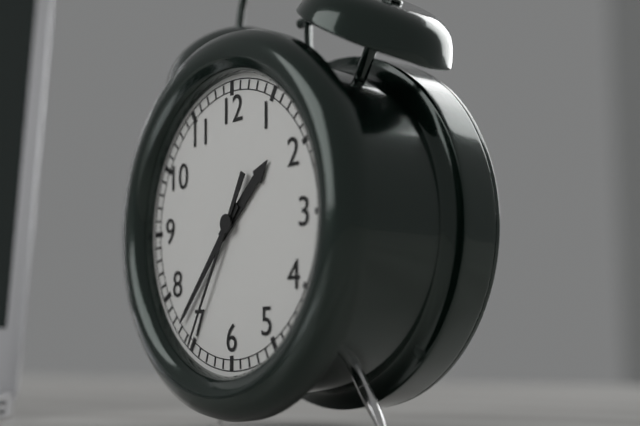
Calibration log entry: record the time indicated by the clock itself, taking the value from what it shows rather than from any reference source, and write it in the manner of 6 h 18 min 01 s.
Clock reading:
1 h 37 min 35 s
